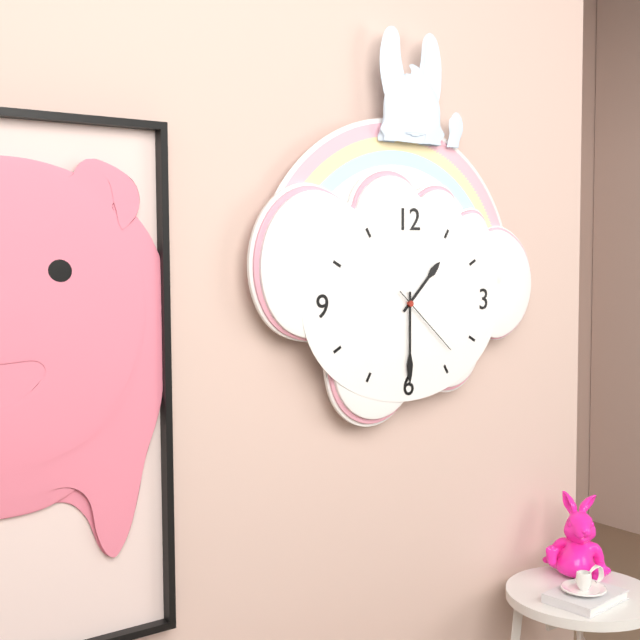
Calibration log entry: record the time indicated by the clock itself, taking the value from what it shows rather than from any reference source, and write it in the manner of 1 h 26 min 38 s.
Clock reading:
1 h 30 min 22 s
